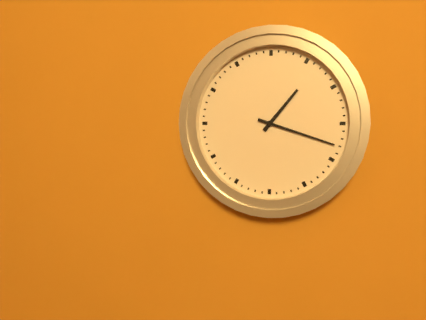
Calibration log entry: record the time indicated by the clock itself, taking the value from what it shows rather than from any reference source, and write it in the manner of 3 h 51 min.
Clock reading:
1 h 18 min
